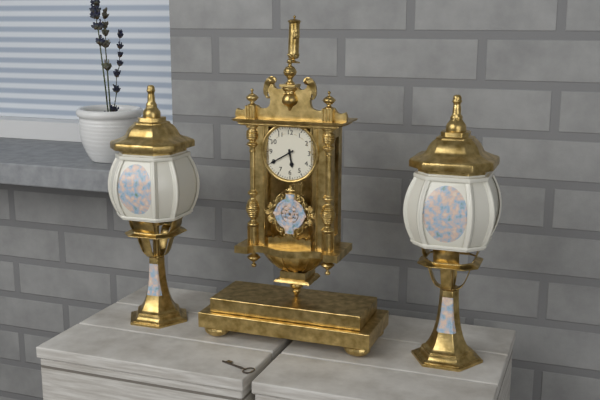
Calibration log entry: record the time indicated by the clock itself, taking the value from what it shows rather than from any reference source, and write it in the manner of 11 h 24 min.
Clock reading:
5 h 40 min
